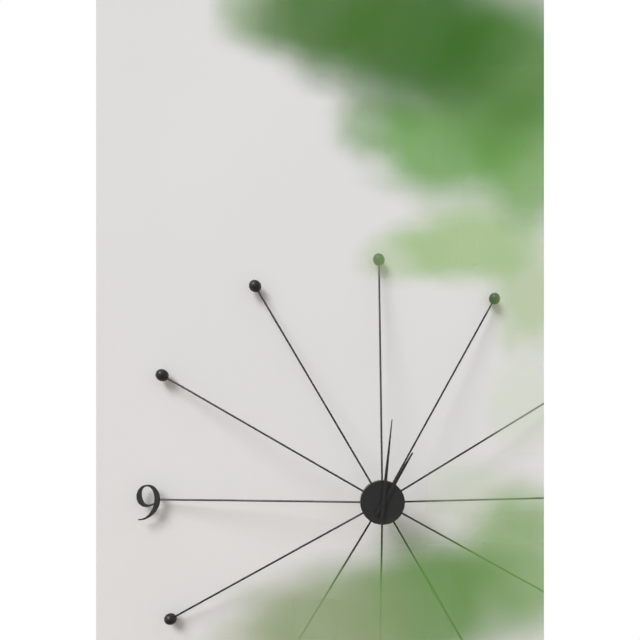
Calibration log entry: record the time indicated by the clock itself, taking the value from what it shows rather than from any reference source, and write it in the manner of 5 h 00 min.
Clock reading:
1 h 01 min
